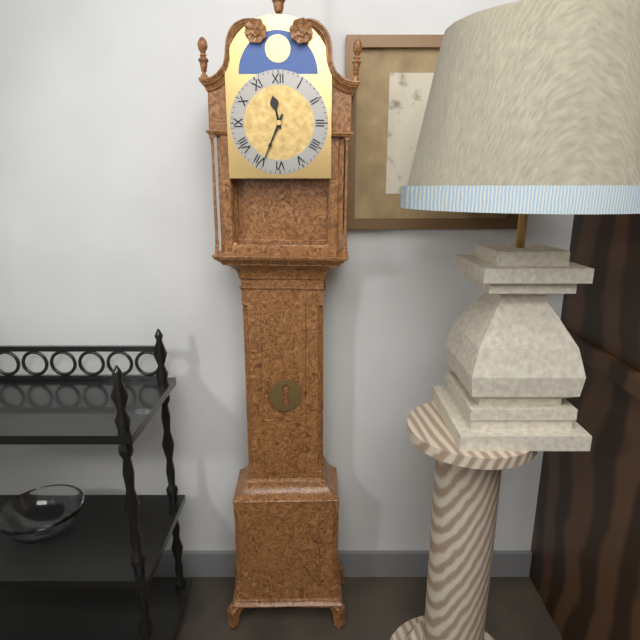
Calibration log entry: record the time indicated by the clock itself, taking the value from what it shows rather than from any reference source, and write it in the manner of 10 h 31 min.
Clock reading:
11 h 34 min
